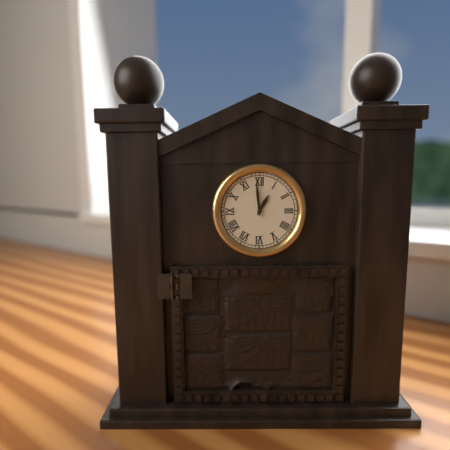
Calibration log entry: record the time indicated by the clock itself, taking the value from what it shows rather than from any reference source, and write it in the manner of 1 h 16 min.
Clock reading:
12 h 59 min
